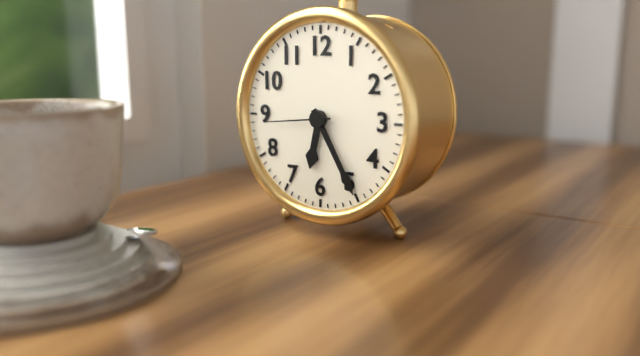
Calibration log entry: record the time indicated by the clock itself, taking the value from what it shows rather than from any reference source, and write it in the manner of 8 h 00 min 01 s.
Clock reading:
6 h 25 min 44 s
